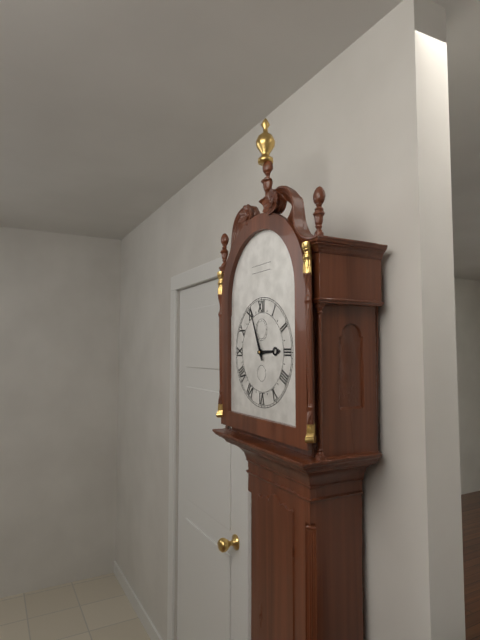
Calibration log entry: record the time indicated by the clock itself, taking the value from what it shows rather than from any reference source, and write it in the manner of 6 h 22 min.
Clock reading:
2 h 56 min
